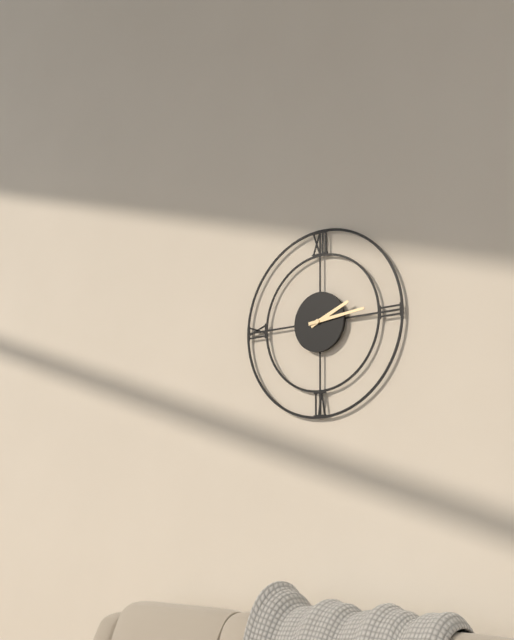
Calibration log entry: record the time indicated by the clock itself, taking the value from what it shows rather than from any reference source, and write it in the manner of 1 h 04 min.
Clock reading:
2 h 14 min
